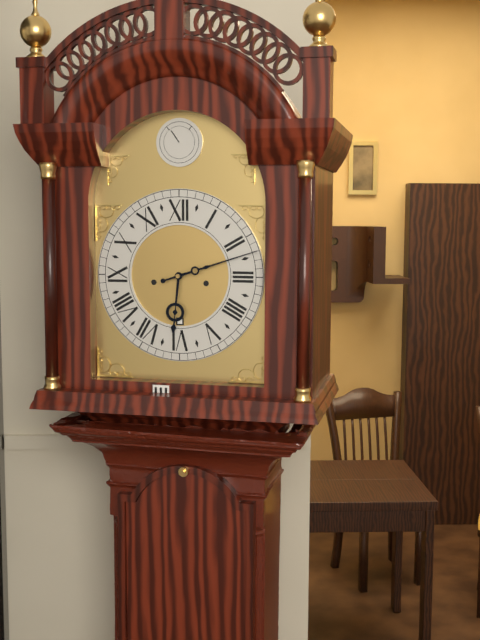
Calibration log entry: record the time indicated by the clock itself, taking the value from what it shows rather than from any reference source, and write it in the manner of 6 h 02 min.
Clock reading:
6 h 12 min
